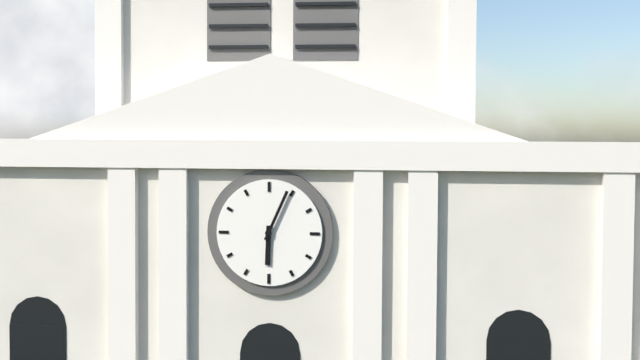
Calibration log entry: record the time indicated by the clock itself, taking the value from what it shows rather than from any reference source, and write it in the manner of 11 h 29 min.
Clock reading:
6 h 04 min
